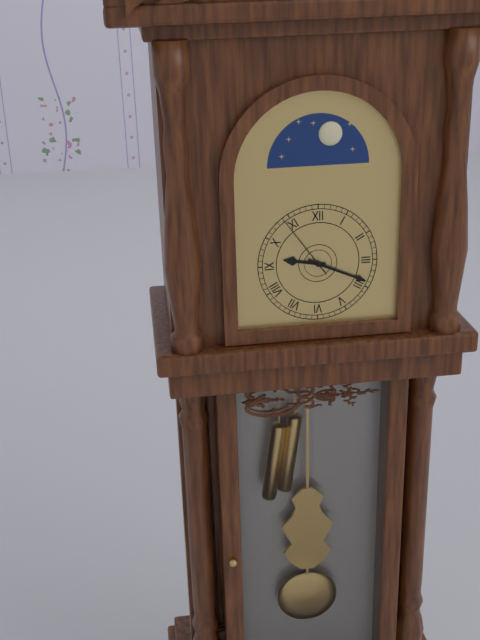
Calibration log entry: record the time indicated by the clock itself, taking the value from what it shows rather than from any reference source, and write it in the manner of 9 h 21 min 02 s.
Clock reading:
9 h 19 min 54 s
